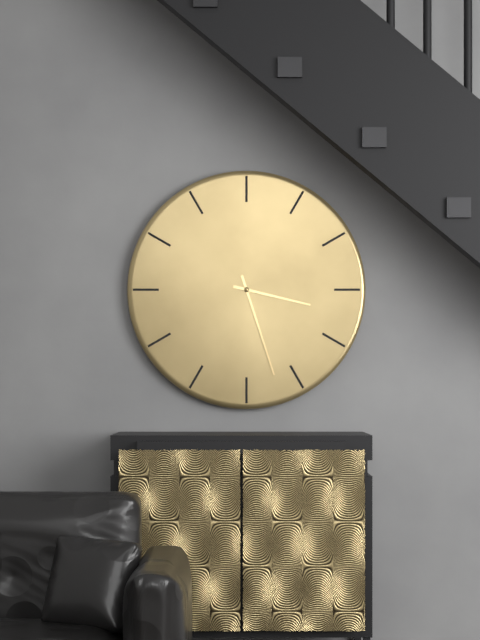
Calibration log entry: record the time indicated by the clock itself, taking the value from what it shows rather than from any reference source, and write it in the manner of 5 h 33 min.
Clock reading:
3 h 27 min
